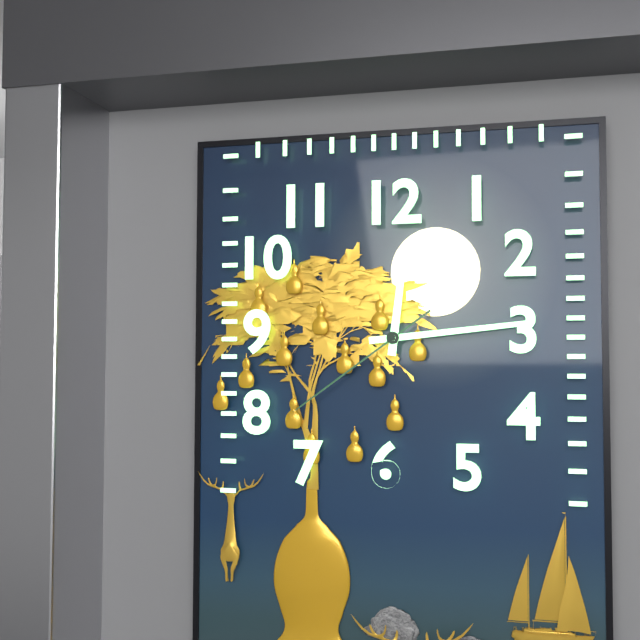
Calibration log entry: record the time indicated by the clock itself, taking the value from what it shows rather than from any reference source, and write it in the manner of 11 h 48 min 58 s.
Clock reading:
12 h 14 min 39 s
